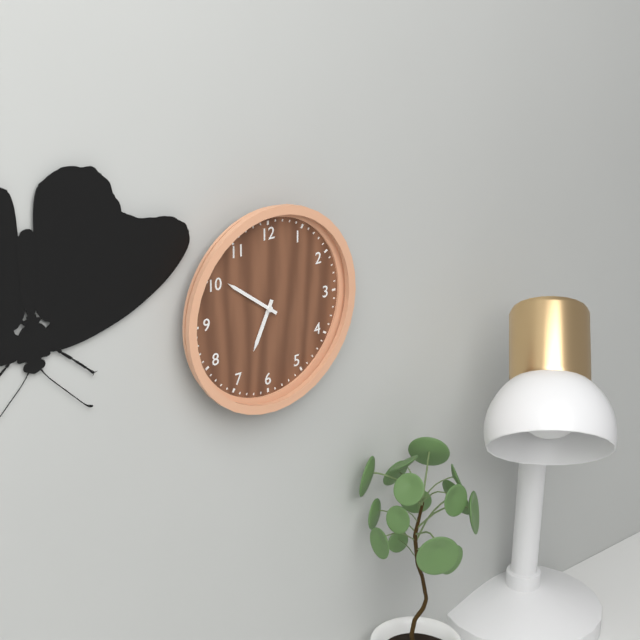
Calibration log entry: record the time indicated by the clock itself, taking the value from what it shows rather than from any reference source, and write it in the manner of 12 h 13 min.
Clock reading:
6 h 51 min
